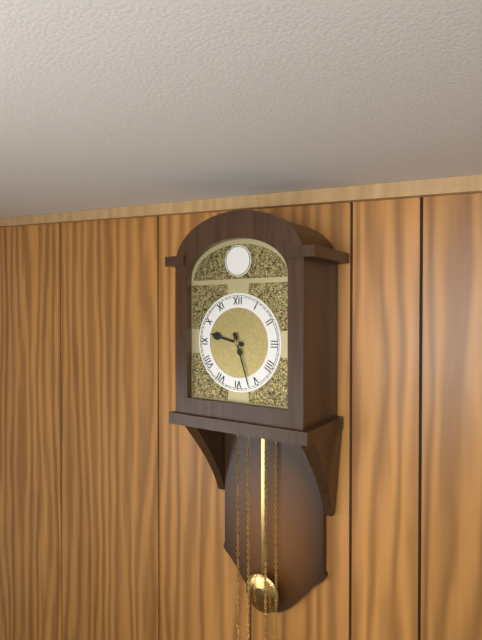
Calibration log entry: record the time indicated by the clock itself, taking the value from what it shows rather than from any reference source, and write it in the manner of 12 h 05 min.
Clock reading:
9 h 27 min
